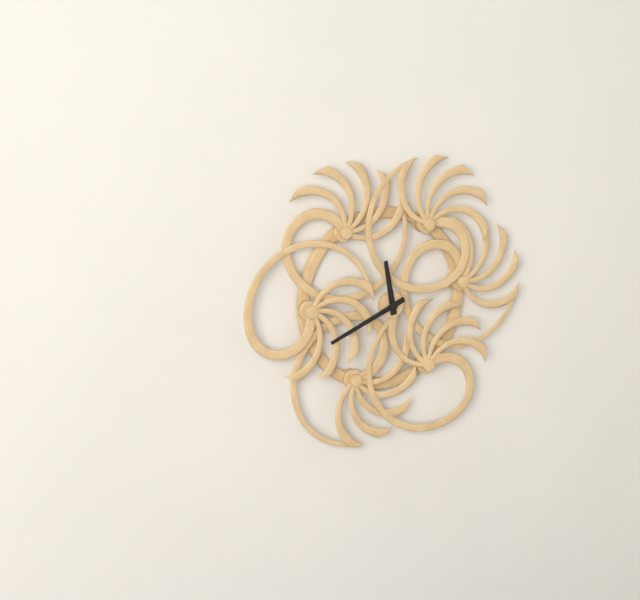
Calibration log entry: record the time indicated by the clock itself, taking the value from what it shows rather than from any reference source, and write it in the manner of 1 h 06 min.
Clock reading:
11 h 41 min
